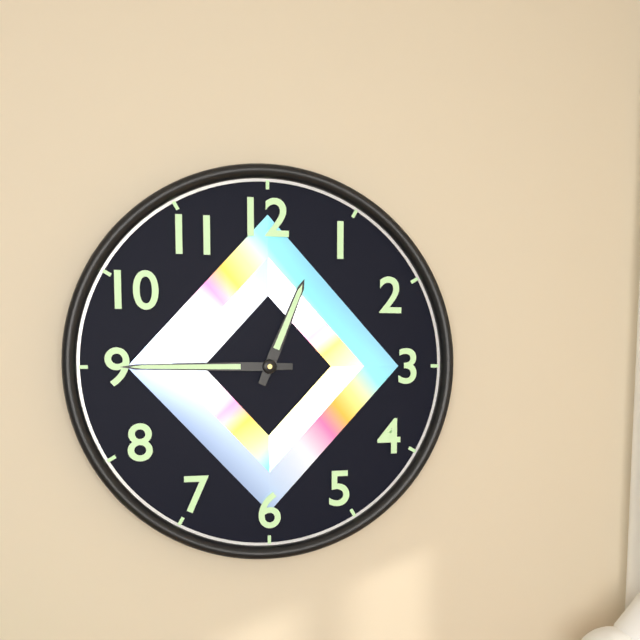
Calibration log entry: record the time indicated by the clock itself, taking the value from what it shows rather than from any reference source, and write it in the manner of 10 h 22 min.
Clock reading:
12 h 45 min
